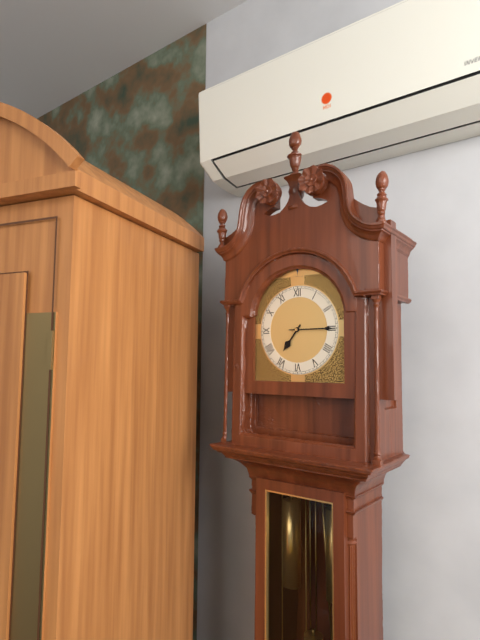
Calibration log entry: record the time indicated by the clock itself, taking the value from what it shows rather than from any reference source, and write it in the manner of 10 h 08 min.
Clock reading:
7 h 15 min
